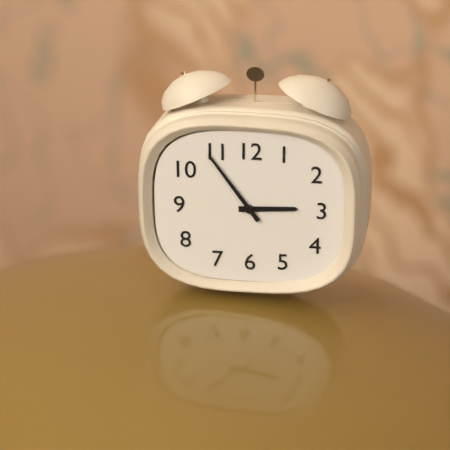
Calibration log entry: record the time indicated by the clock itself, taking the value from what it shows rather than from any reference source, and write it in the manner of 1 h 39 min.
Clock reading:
2 h 54 min
